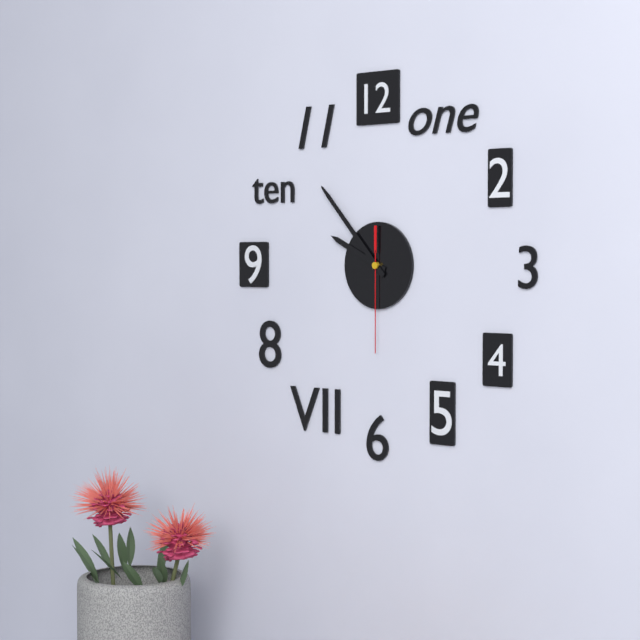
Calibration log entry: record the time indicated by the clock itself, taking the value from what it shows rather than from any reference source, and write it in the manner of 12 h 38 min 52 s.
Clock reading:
9 h 53 min 30 s
